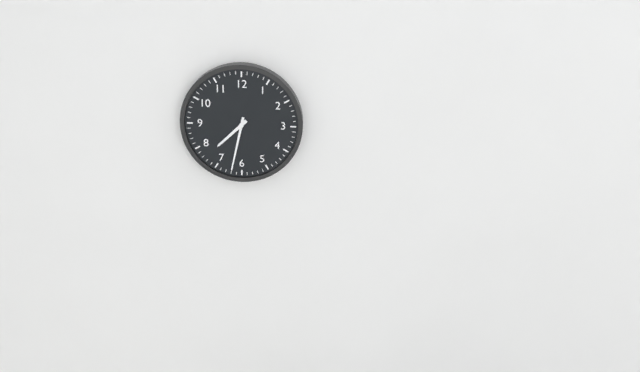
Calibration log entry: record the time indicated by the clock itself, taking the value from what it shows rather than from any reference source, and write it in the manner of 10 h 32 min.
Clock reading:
7 h 32 min
